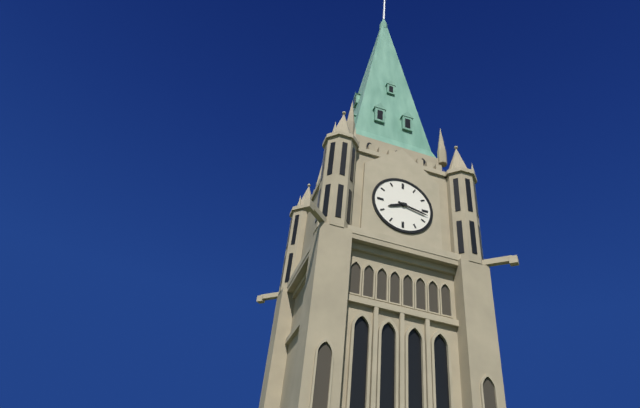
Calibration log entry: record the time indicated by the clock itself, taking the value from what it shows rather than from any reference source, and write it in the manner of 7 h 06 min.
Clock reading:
8 h 17 min
